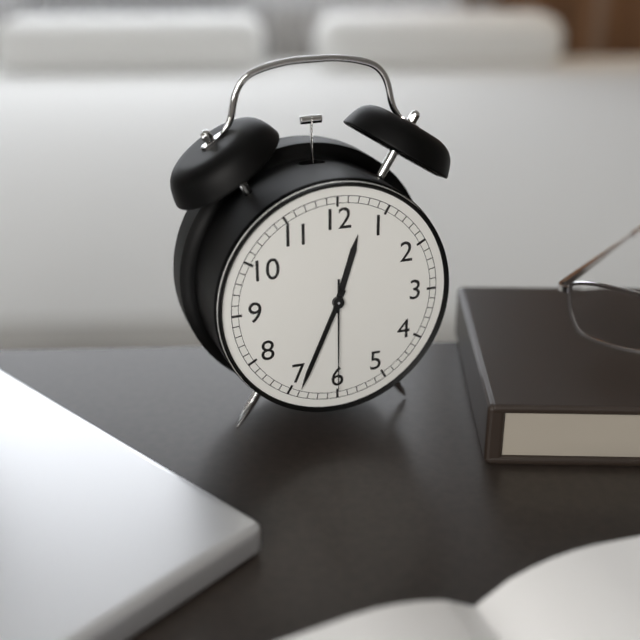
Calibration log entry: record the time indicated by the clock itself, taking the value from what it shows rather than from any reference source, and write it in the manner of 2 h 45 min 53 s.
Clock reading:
12 h 34 min 30 s
